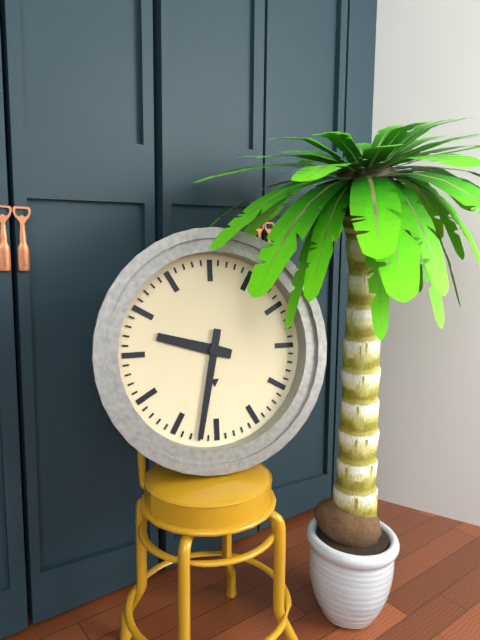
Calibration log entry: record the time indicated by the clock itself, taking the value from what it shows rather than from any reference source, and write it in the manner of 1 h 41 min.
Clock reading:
9 h 32 min
